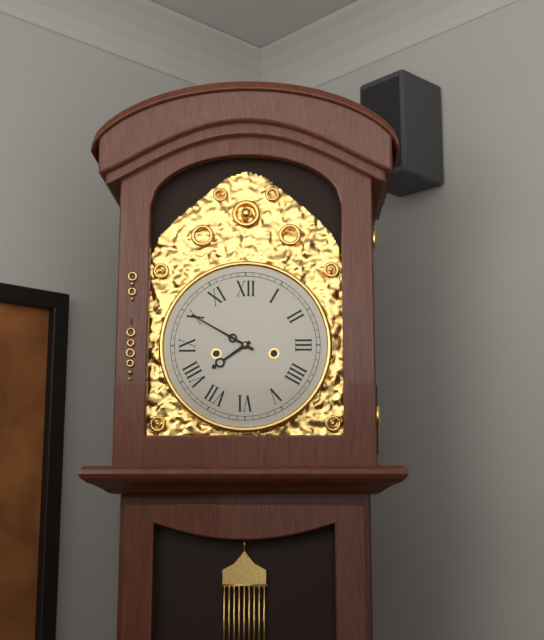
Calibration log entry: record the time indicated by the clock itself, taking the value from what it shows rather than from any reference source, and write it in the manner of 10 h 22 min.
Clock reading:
7 h 50 min
